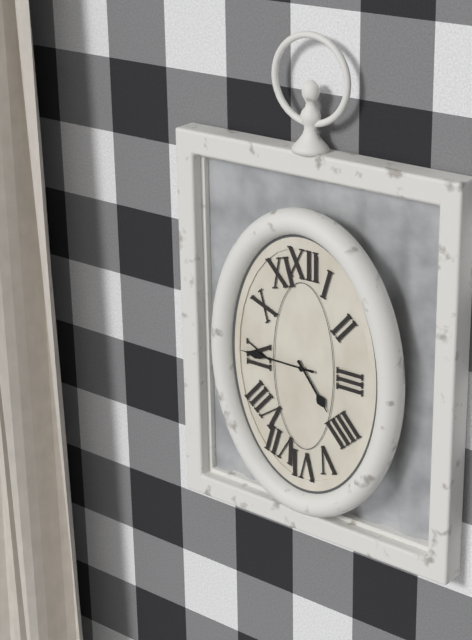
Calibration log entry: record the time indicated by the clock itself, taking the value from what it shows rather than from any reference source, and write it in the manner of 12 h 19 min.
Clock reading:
4 h 45 min
